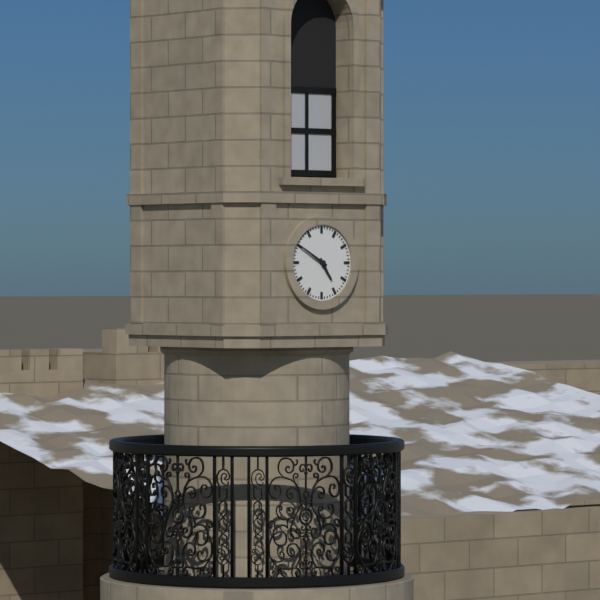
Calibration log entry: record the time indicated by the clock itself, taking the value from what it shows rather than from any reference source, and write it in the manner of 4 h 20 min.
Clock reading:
4 h 50 min
